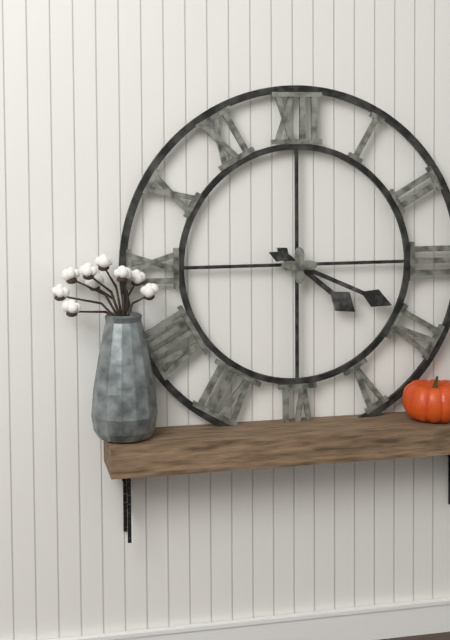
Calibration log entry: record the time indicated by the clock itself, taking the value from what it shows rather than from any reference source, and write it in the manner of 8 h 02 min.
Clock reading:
4 h 19 min
